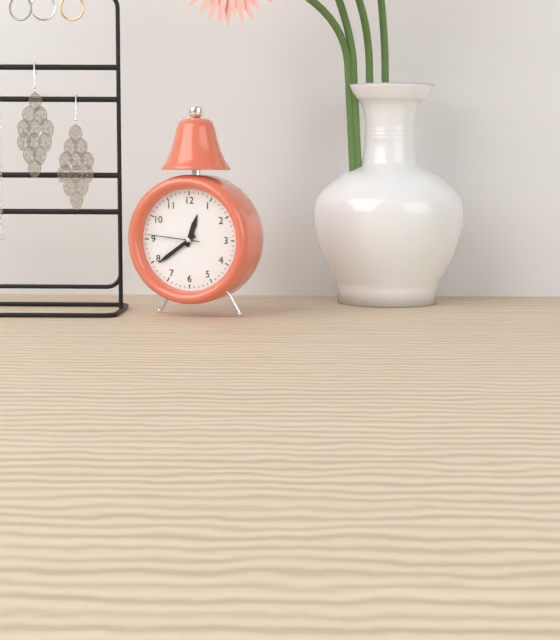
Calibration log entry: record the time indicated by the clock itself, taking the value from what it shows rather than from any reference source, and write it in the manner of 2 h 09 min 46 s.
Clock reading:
12 h 39 min 46 s
